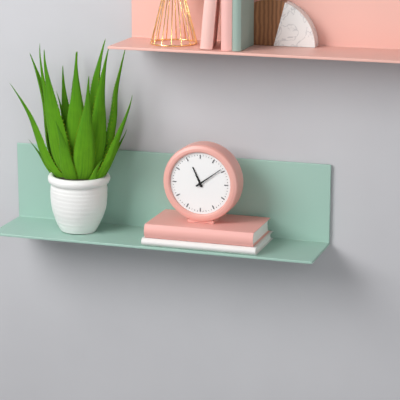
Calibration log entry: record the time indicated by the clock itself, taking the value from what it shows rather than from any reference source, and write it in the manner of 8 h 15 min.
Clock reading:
11 h 09 min
